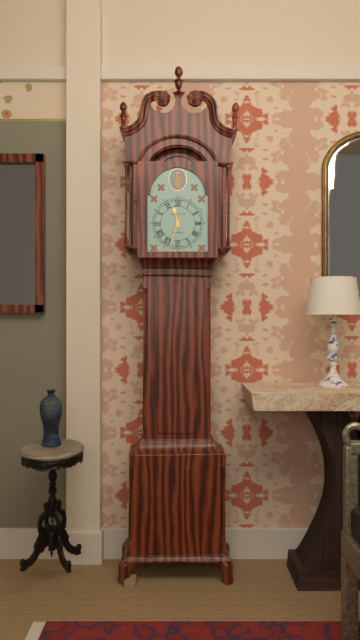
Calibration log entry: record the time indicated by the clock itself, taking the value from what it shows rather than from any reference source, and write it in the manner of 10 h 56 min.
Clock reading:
11 h 33 min
